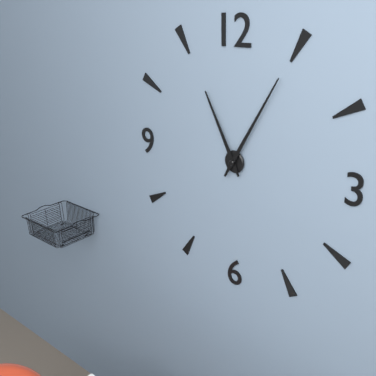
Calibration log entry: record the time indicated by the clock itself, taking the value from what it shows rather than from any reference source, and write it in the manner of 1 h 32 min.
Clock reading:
11 h 05 min
